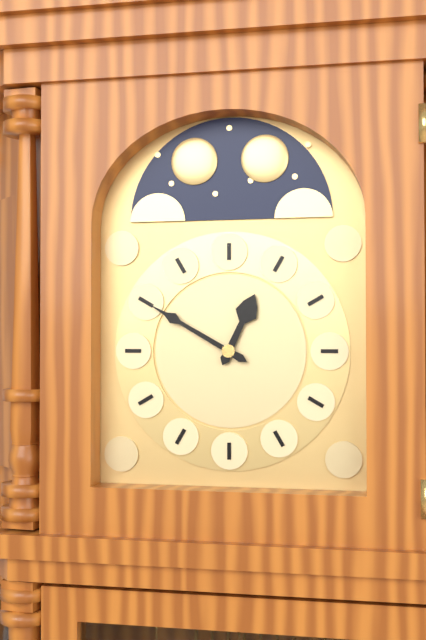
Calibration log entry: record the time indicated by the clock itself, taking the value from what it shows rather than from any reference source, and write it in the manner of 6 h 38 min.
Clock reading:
12 h 50 min
